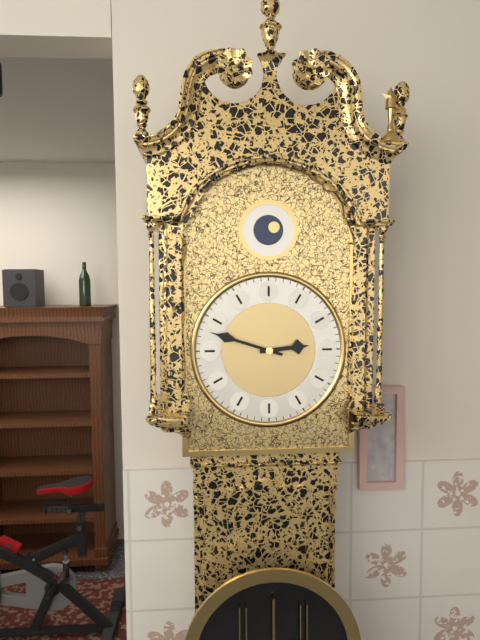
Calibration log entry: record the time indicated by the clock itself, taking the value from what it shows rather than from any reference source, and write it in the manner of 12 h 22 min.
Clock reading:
2 h 48 min
